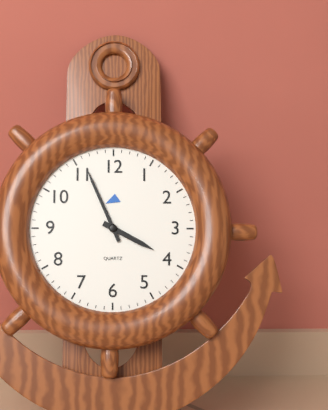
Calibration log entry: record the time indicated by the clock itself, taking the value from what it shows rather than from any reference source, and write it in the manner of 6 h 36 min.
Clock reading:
3 h 56 min
